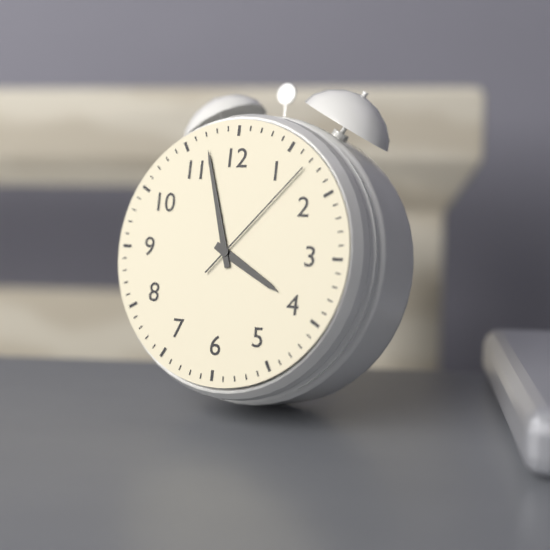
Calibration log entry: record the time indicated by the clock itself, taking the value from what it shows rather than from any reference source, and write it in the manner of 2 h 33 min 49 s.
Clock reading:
3 h 57 min 07 s
